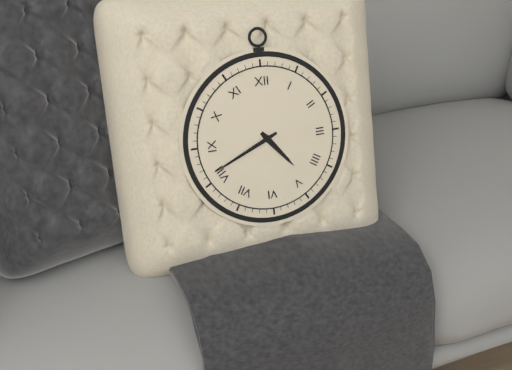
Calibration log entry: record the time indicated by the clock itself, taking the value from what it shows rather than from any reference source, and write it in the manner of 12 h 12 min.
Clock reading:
4 h 41 min
